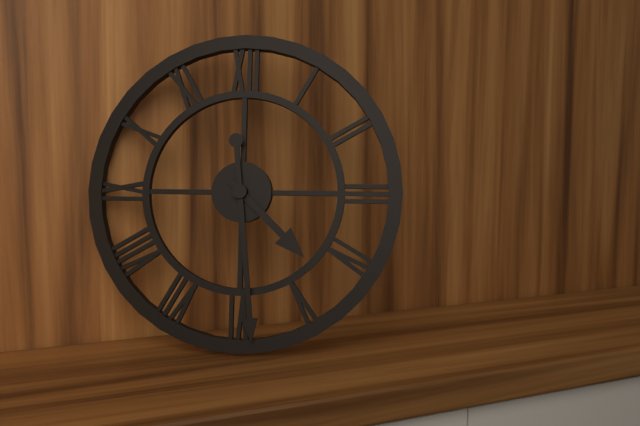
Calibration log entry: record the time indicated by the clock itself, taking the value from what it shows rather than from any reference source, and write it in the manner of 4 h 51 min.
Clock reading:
4 h 29 min
